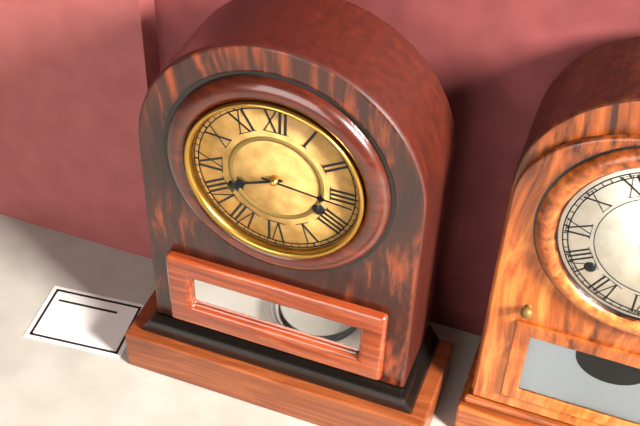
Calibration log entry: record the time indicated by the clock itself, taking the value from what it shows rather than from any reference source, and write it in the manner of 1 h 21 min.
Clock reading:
8 h 16 min
